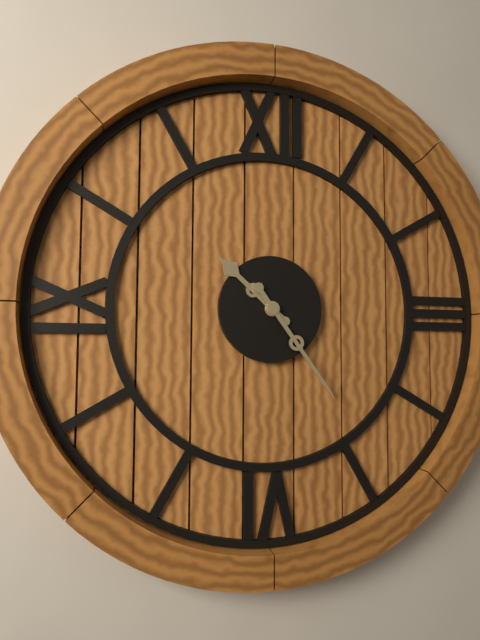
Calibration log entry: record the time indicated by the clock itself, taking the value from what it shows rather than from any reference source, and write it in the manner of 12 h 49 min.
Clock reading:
10 h 24 min
